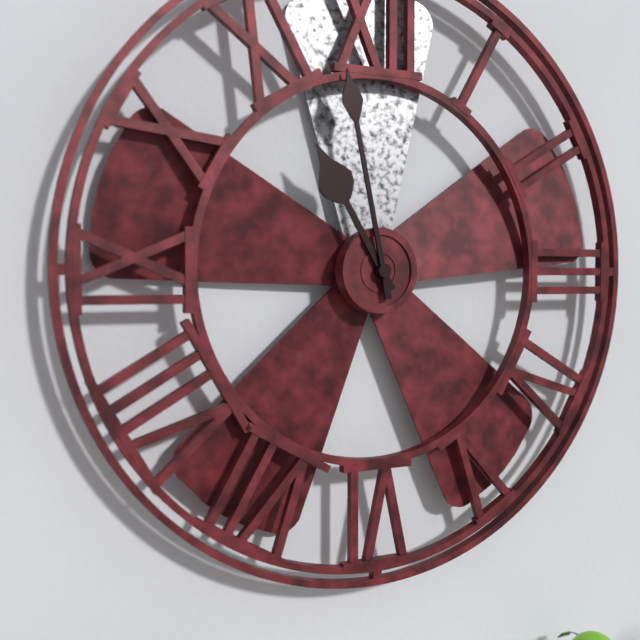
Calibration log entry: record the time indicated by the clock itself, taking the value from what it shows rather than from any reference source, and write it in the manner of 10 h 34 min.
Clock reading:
10 h 58 min
